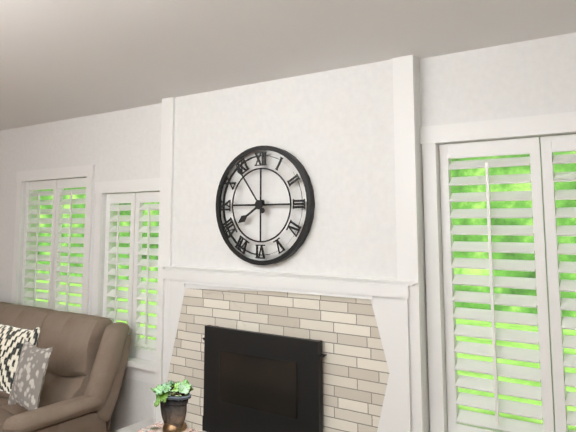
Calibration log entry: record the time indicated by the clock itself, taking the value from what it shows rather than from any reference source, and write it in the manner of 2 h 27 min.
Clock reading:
7 h 54 min
